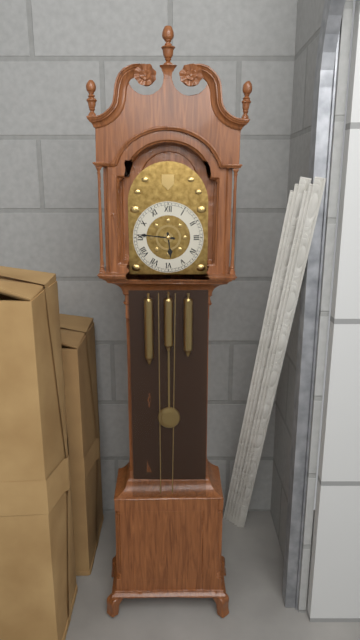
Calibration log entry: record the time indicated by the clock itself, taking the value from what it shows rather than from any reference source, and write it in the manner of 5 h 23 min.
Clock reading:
5 h 46 min
